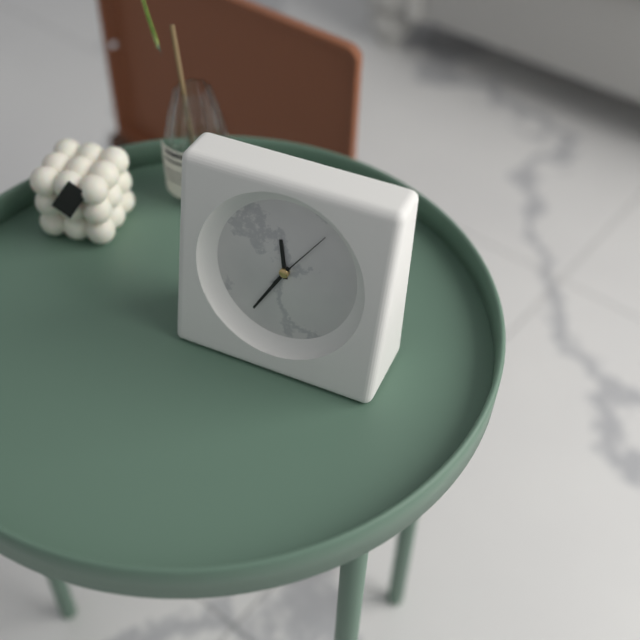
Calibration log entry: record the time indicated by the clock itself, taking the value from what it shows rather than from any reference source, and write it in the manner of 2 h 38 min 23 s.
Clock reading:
11 h 35 min 06 s
